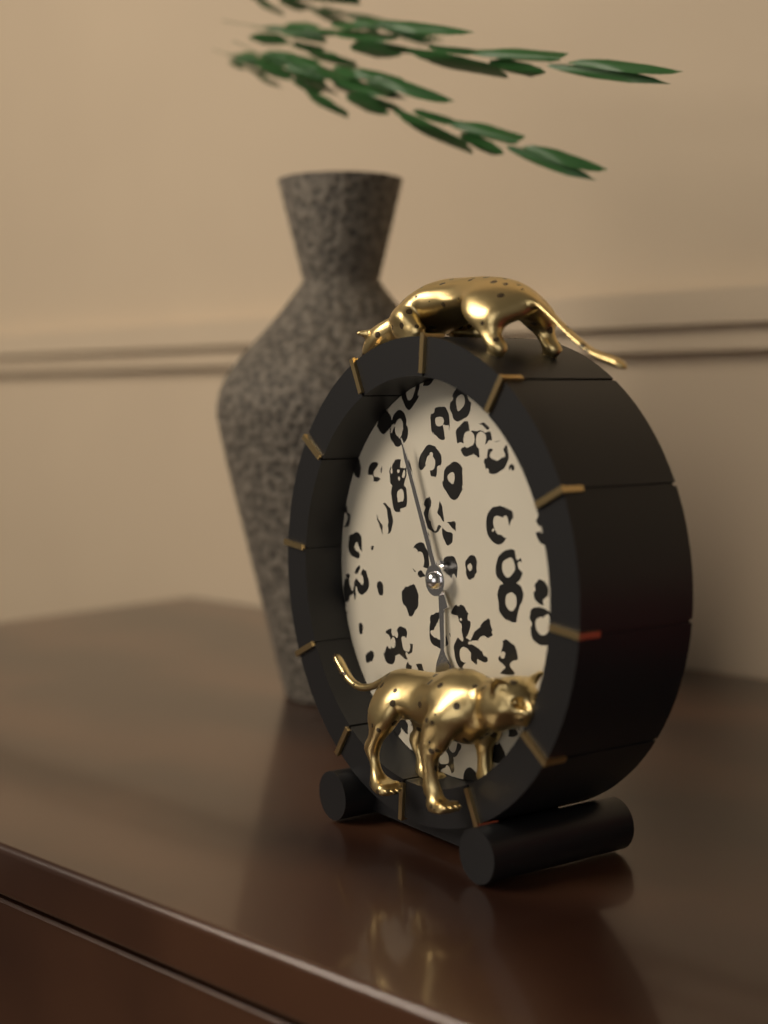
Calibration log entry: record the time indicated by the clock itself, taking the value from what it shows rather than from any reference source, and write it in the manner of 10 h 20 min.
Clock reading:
5 h 56 min
